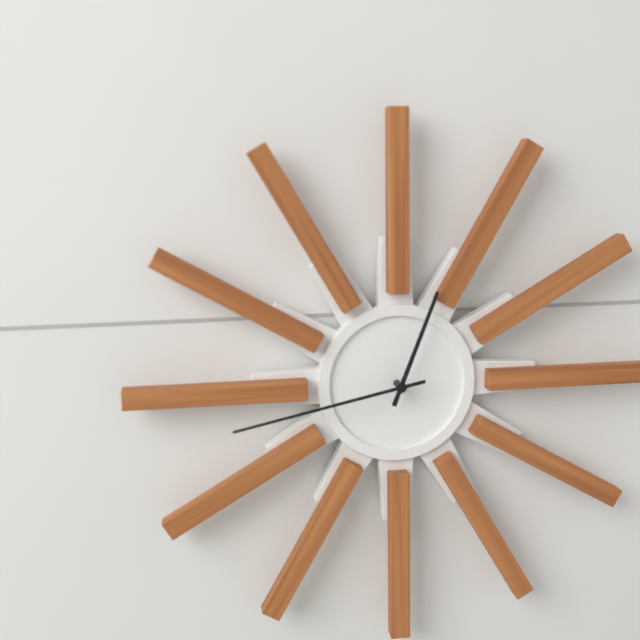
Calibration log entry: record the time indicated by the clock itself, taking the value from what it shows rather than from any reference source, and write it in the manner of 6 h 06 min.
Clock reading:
12 h 43 min
